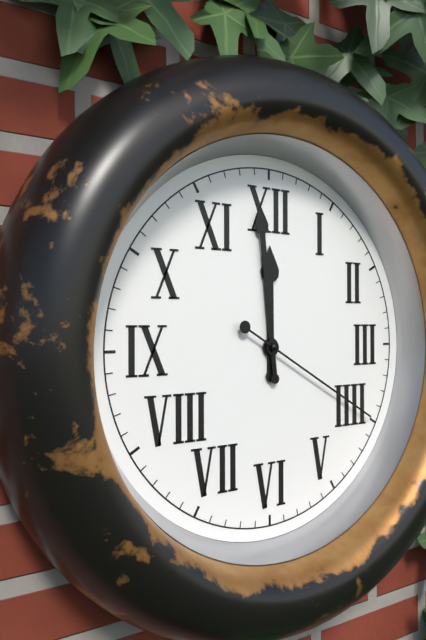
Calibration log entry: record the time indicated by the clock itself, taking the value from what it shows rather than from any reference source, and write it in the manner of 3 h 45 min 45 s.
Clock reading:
11 h 59 min 20 s
